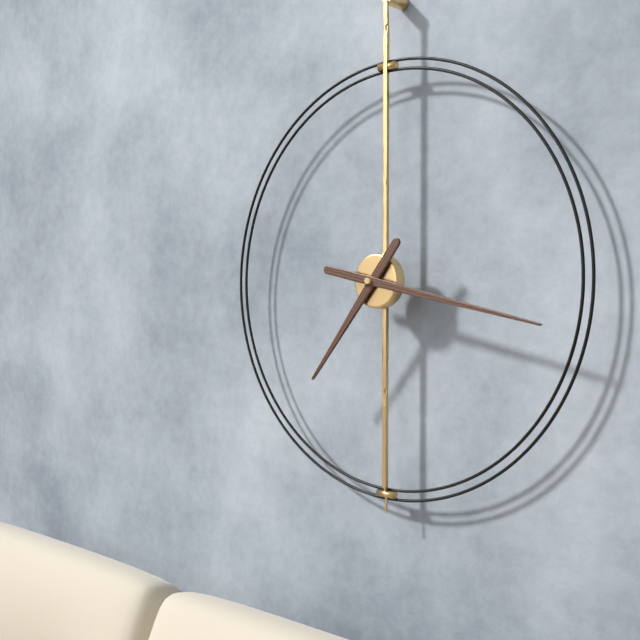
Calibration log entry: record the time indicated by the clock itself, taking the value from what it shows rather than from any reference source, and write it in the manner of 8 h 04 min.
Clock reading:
7 h 17 min
